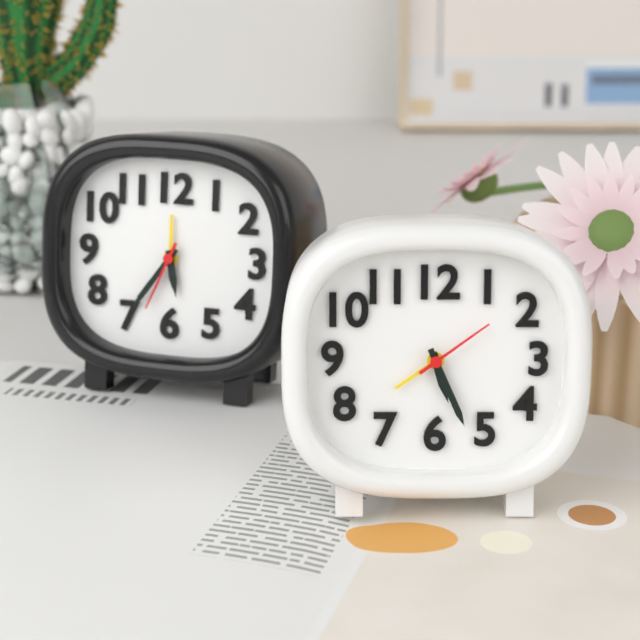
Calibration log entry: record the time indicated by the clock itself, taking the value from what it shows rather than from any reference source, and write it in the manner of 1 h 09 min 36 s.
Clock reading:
5 h 26 min 09 s
